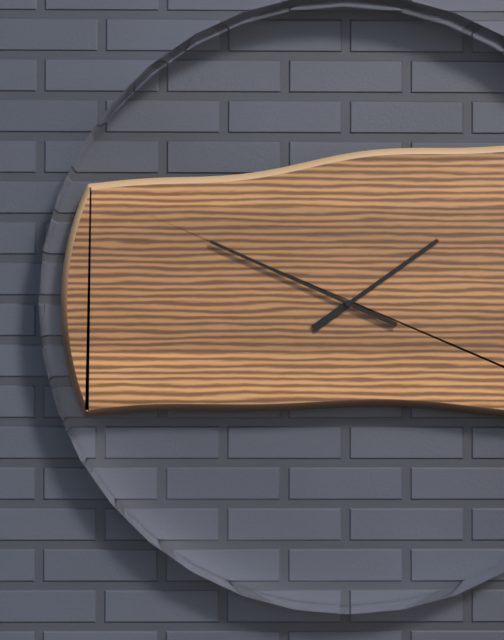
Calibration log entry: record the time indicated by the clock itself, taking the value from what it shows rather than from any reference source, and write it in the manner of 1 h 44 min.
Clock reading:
1 h 49 min
